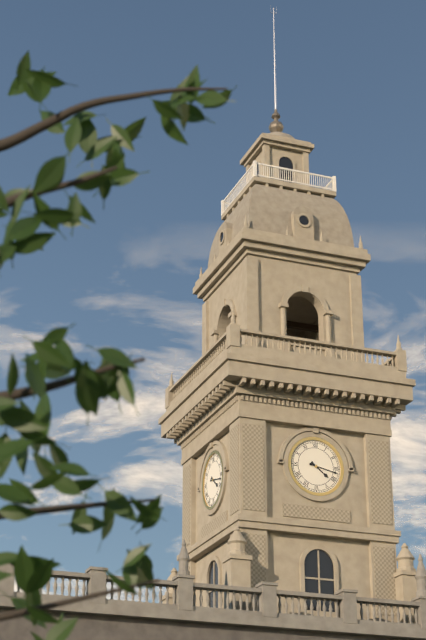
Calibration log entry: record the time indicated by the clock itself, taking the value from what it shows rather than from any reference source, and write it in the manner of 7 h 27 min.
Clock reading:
4 h 17 min
